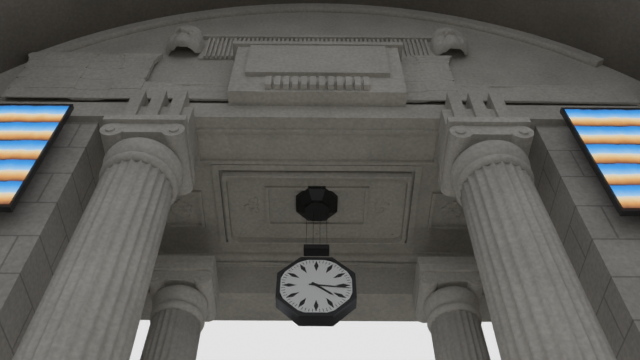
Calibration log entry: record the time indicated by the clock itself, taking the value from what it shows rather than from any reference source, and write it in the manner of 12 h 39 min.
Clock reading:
4 h 16 min
